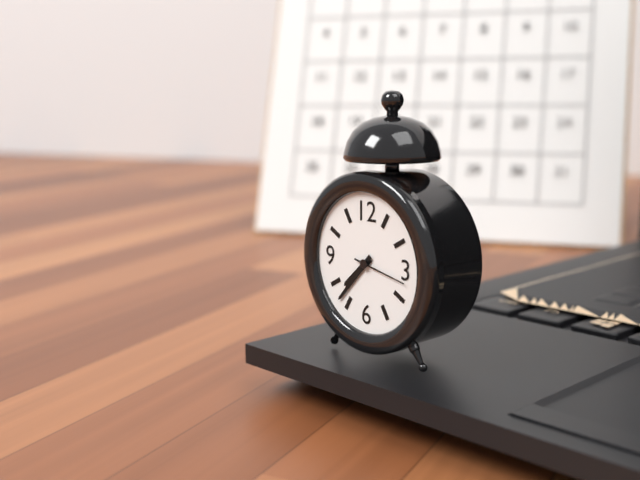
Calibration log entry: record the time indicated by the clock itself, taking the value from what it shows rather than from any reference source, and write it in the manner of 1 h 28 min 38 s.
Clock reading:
7 h 37 min 17 s
